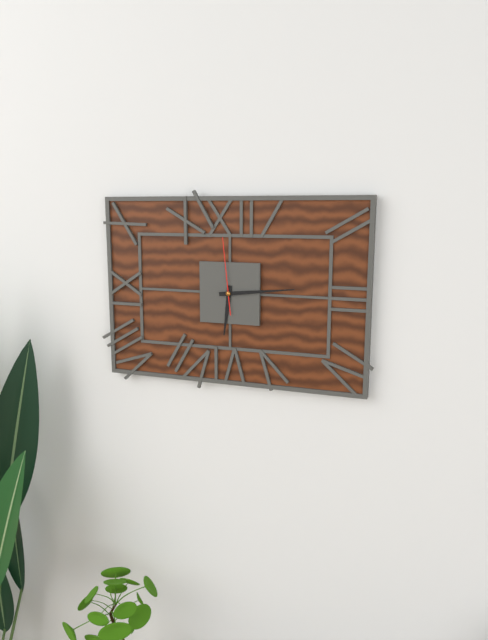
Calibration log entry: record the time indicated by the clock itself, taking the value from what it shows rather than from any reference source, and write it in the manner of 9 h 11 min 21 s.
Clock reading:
6 h 14 min 59 s
